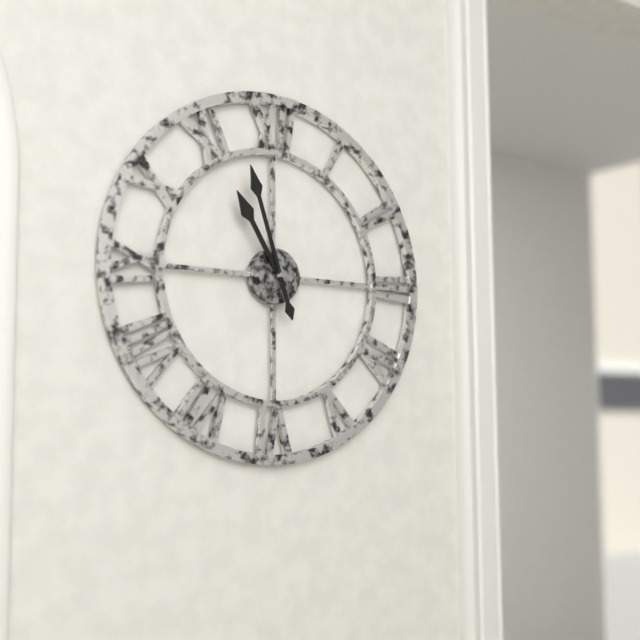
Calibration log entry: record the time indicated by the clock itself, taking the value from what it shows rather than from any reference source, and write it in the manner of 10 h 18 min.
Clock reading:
10 h 57 min
